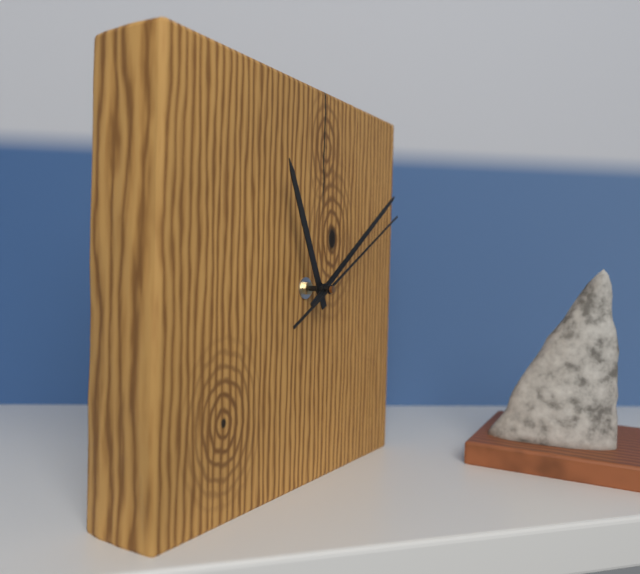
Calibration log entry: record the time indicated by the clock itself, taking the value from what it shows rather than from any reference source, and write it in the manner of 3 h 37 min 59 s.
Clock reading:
11 h 09 min 10 s
